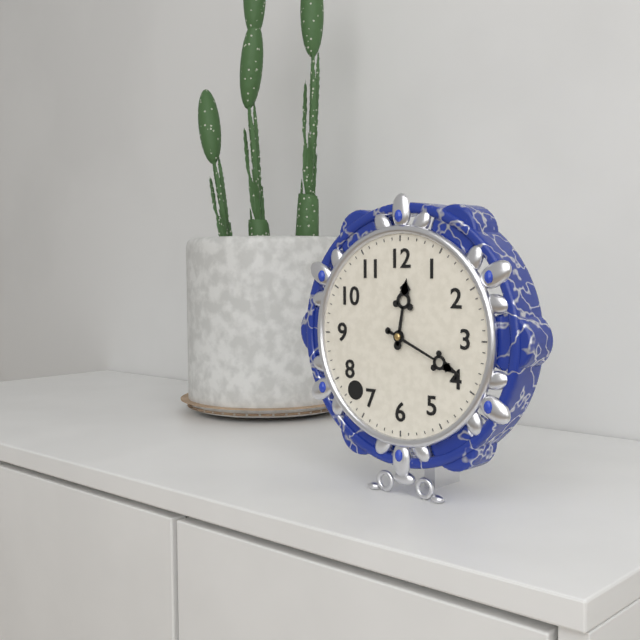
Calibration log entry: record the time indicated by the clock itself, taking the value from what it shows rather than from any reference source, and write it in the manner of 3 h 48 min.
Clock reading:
12 h 19 min
